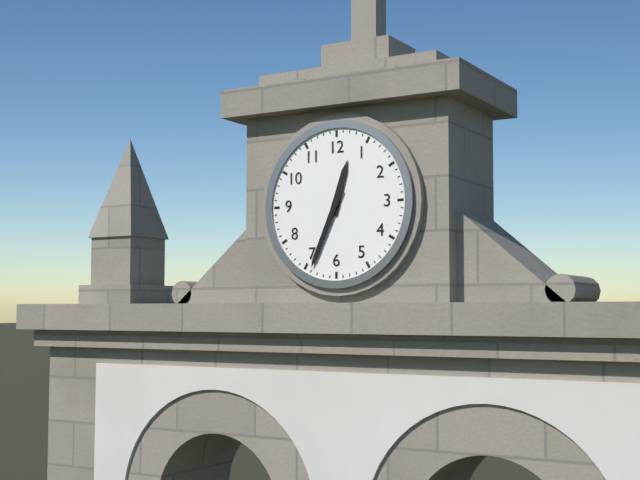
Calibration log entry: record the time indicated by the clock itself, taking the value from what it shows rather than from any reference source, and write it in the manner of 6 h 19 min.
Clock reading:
12 h 34 min
